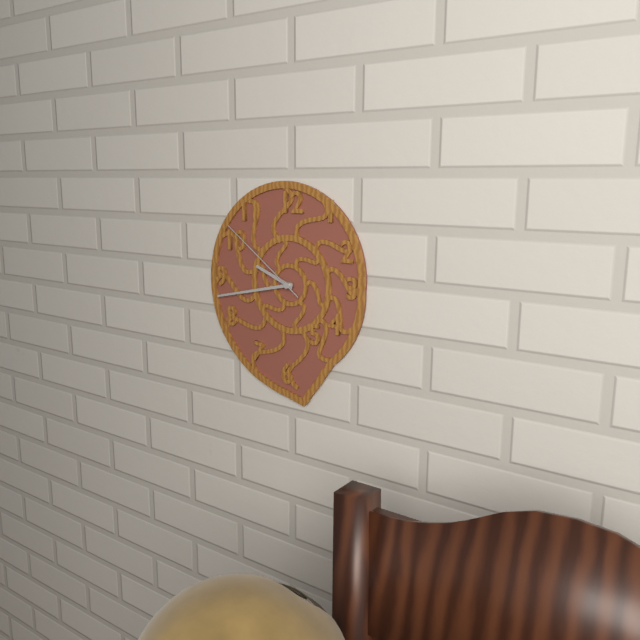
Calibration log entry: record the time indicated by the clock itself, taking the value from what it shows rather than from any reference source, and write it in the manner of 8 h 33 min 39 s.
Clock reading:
9 h 43 min 51 s
